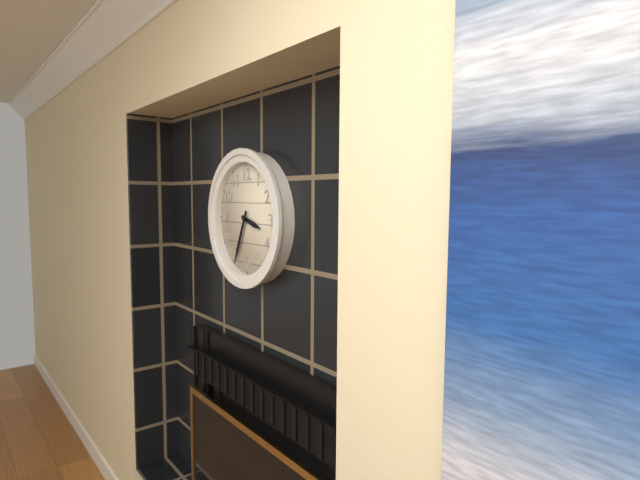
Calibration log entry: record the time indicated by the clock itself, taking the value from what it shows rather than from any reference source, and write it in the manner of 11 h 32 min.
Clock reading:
3 h 34 min
